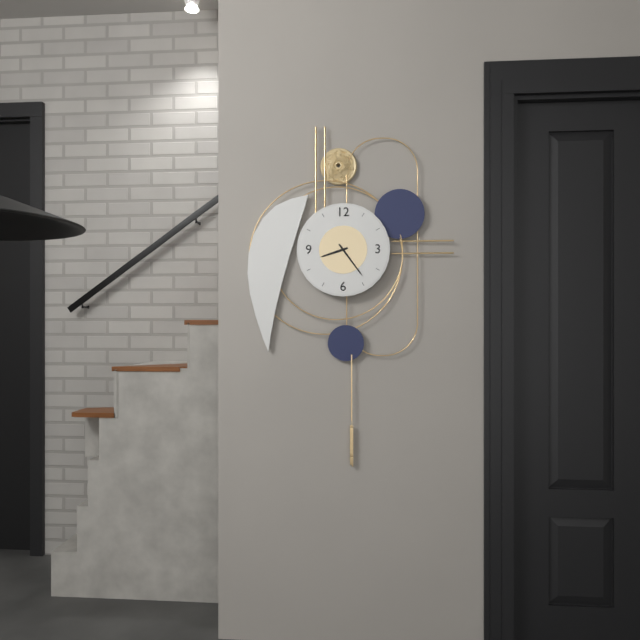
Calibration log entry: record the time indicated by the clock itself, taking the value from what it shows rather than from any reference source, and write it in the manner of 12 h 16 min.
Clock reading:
8 h 24 min
